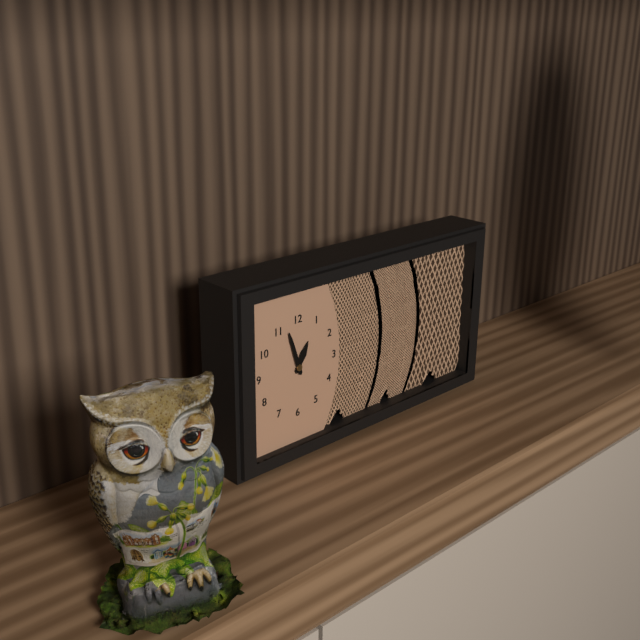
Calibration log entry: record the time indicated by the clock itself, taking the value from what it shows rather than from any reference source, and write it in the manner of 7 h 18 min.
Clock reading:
12 h 57 min
